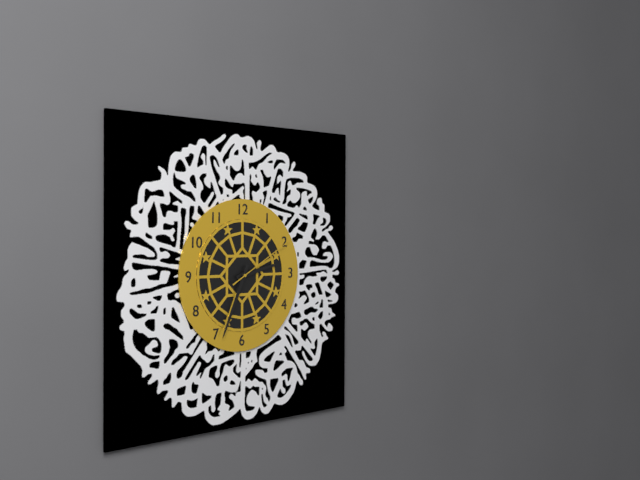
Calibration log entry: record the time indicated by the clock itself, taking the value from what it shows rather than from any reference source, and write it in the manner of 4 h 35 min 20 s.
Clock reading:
2 h 34 min 10 s
